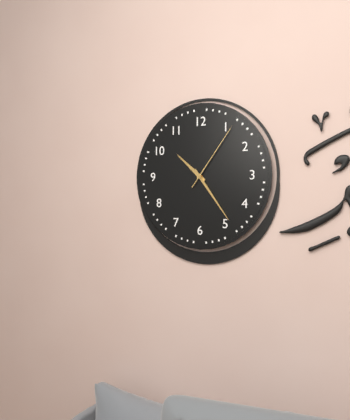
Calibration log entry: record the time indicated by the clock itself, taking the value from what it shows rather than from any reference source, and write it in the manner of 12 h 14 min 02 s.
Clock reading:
10 h 24 min 06 s
